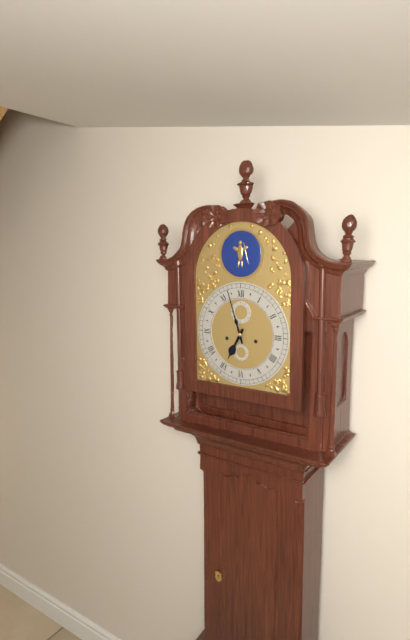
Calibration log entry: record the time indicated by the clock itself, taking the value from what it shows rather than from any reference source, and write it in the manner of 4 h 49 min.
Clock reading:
6 h 57 min
